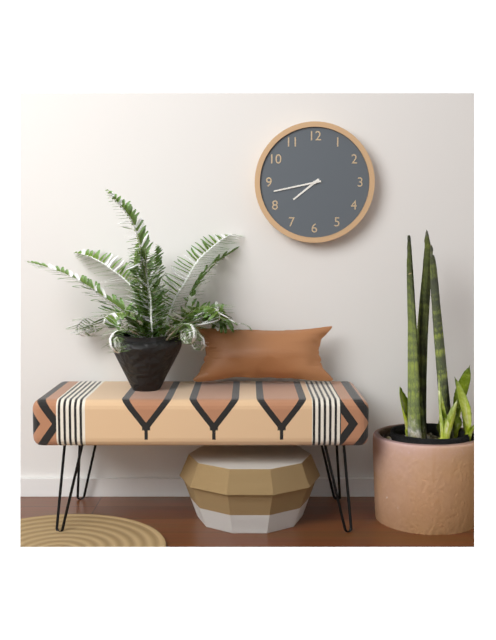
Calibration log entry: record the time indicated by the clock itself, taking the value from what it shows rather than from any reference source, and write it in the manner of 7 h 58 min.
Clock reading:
7 h 43 min
